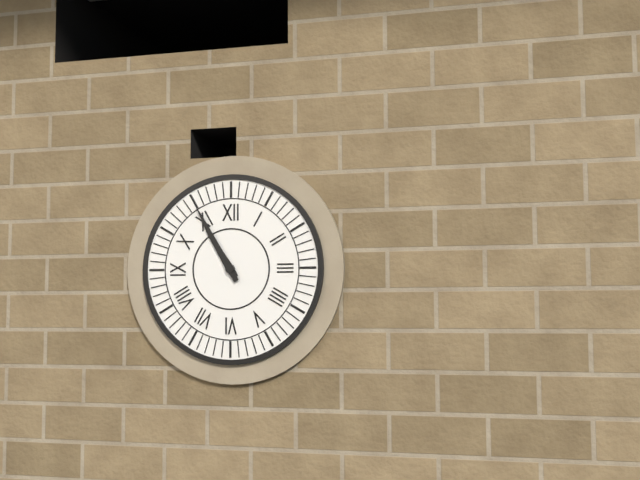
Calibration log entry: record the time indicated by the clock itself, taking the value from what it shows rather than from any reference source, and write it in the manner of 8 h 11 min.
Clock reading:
10 h 55 min
